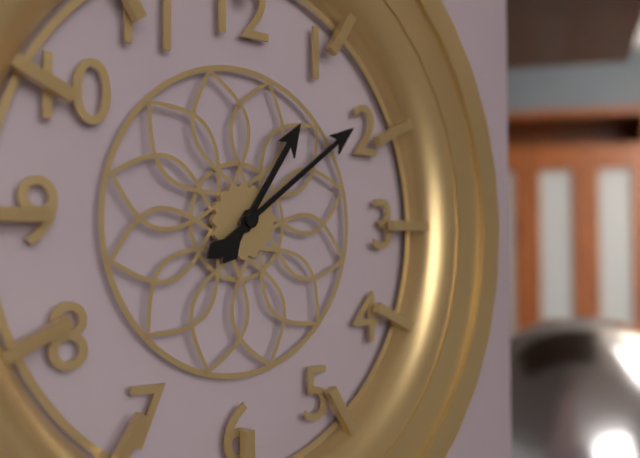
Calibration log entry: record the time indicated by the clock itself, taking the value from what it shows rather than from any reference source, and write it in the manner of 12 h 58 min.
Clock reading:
1 h 09 min
